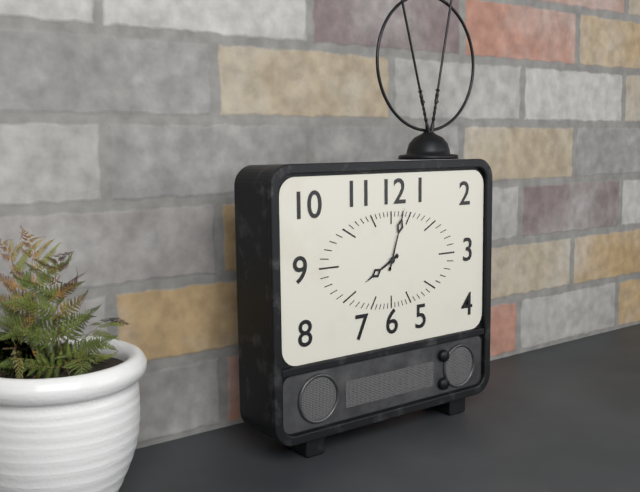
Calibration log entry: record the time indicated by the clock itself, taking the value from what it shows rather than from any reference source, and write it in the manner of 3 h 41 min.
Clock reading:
8 h 03 min
